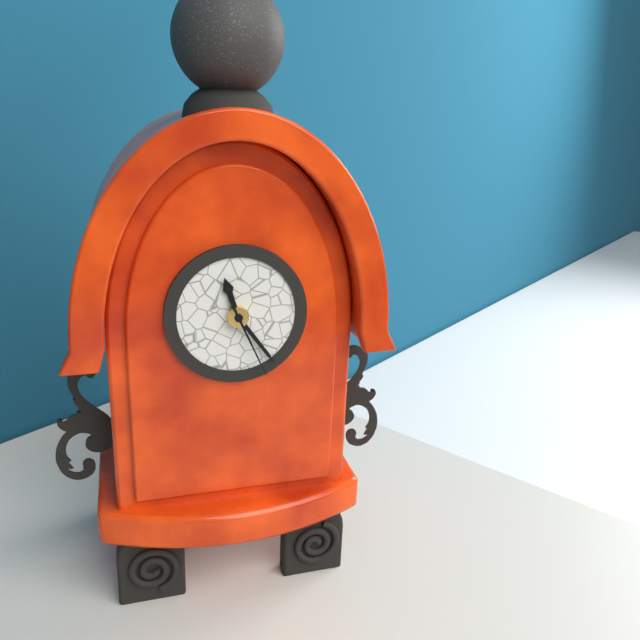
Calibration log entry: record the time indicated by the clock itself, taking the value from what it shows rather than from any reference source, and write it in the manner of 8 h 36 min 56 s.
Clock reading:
11 h 24 min 26 s
